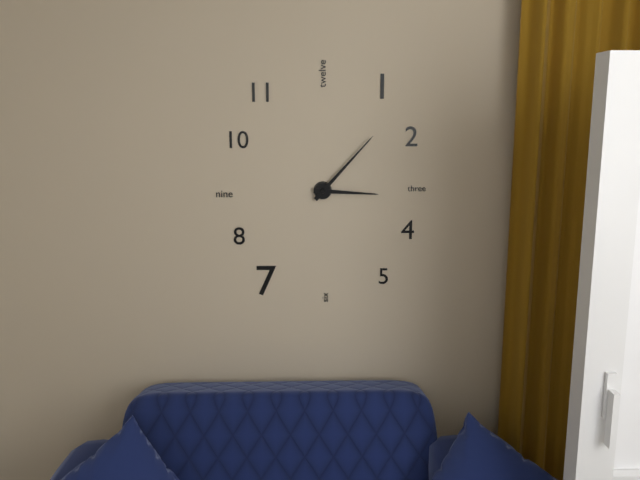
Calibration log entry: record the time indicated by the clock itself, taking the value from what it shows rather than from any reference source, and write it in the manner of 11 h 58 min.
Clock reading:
3 h 07 min
